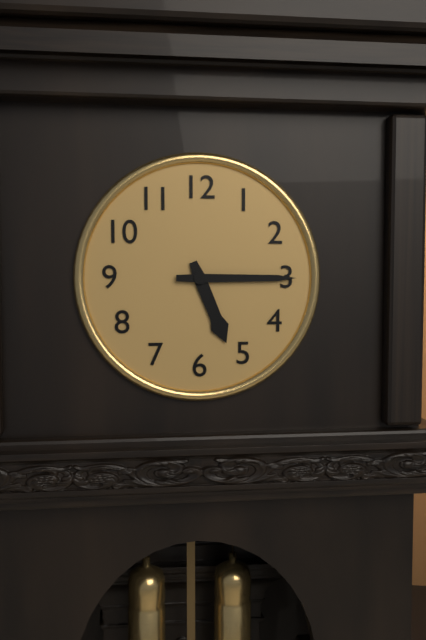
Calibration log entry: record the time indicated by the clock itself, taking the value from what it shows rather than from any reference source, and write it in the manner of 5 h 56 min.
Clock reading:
5 h 15 min
